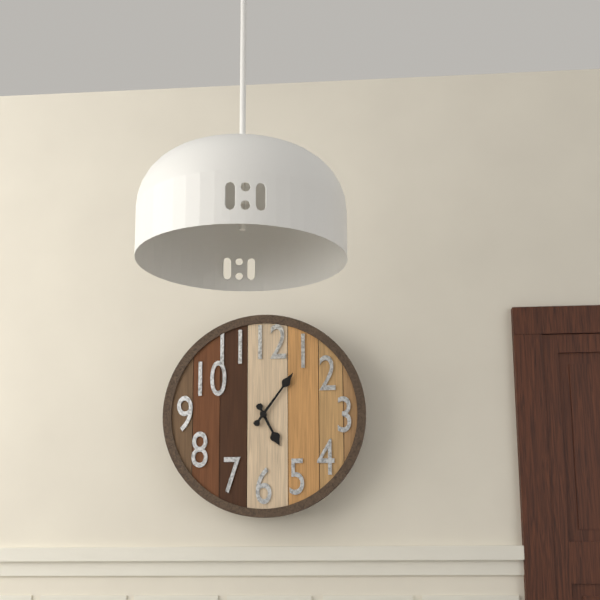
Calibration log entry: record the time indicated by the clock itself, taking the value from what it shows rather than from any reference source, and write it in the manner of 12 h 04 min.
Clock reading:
5 h 06 min
